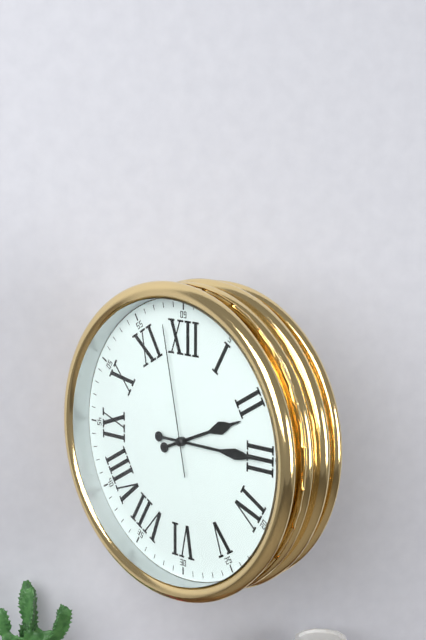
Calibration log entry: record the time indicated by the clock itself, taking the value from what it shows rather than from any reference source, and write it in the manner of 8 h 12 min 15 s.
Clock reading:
2 h 15 min 58 s
